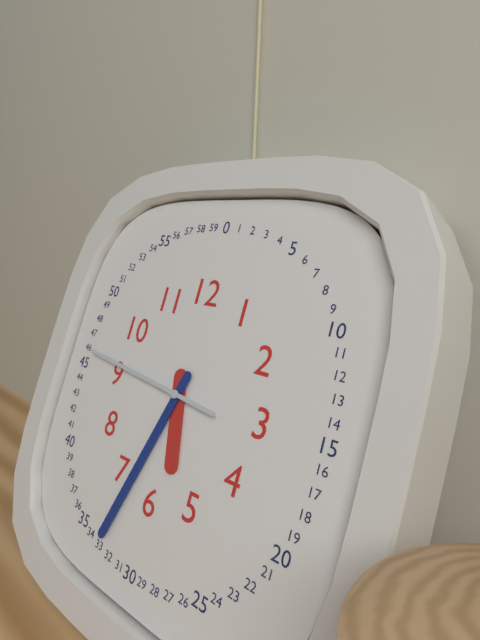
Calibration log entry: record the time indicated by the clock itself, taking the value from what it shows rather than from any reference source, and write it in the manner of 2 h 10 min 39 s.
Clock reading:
5 h 33 min 46 s
